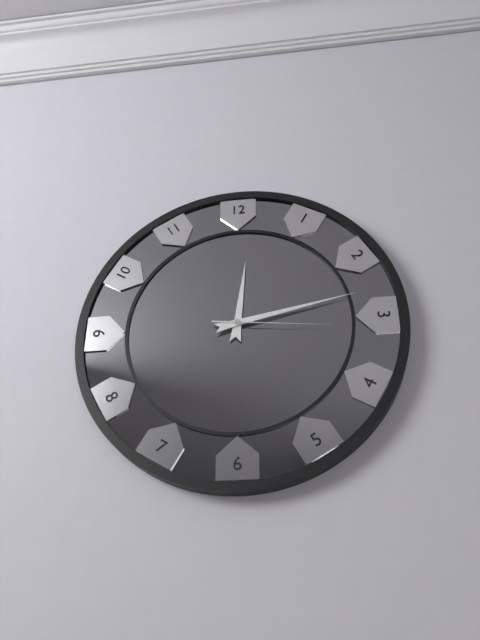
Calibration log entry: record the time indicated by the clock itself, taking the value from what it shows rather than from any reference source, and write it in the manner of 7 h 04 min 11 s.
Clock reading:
12 h 13 min 16 s
